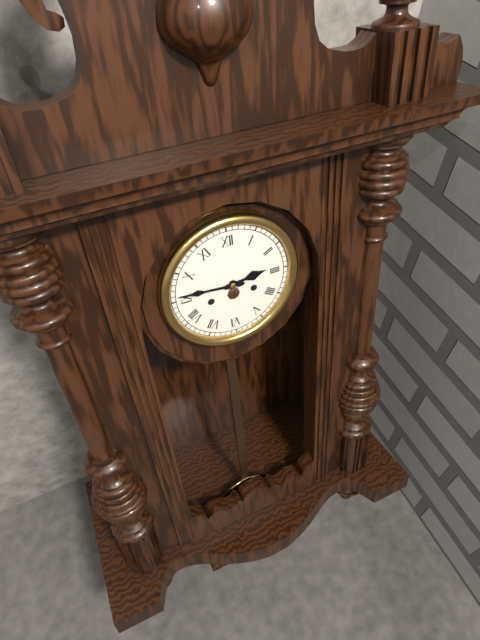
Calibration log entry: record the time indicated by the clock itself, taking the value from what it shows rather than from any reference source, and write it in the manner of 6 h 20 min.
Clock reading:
2 h 46 min
